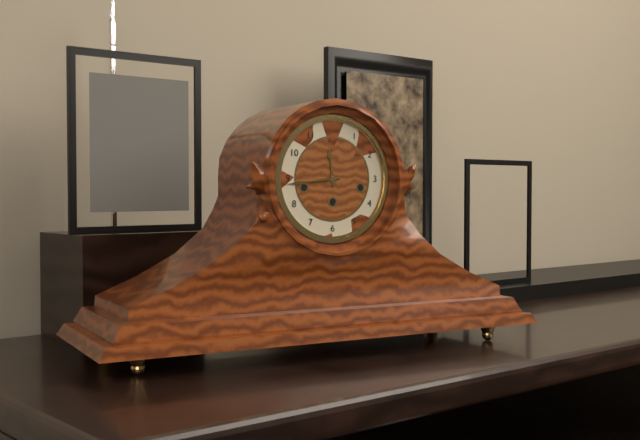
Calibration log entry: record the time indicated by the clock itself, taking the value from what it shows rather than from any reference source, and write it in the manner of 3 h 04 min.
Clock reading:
11 h 44 min
